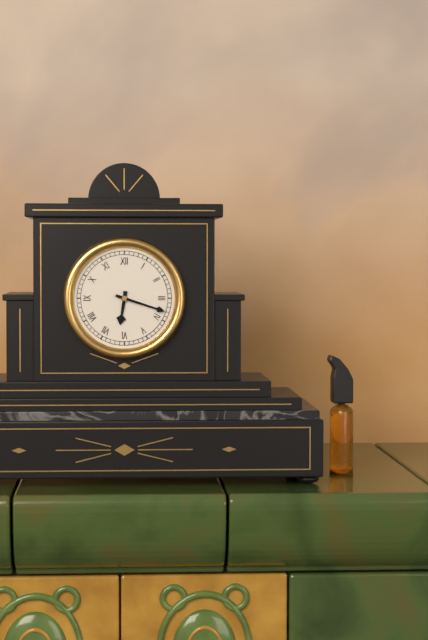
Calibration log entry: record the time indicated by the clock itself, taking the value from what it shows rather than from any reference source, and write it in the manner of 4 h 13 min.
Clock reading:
6 h 18 min
